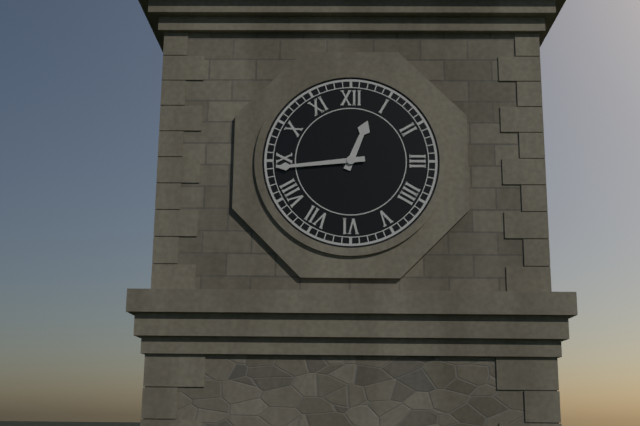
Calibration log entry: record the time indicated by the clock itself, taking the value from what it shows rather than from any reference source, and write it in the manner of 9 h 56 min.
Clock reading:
12 h 44 min
